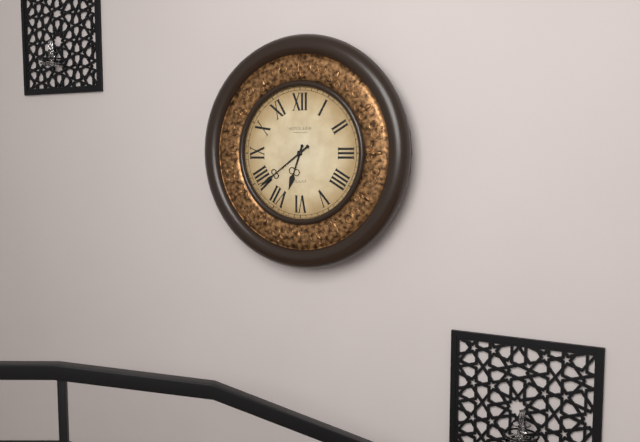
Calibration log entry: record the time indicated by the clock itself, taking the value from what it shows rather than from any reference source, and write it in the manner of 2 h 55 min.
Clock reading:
6 h 39 min
